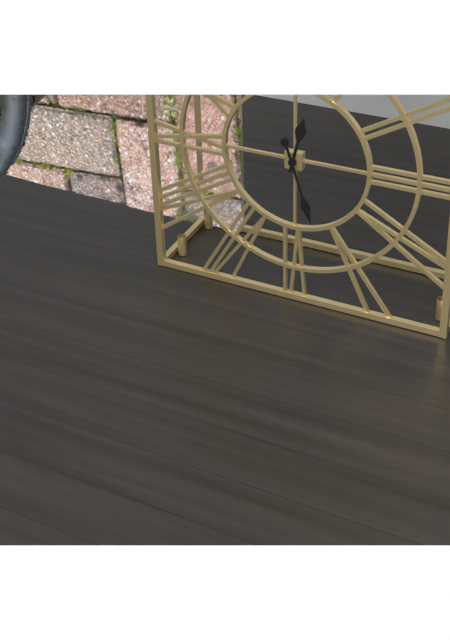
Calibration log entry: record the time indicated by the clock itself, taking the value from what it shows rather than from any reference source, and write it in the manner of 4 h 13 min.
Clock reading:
12 h 27 min
